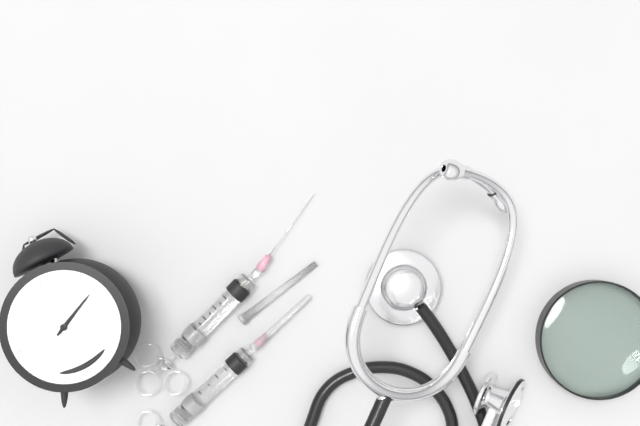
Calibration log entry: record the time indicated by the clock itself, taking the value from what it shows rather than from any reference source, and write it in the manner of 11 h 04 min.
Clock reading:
2 h 11 min
